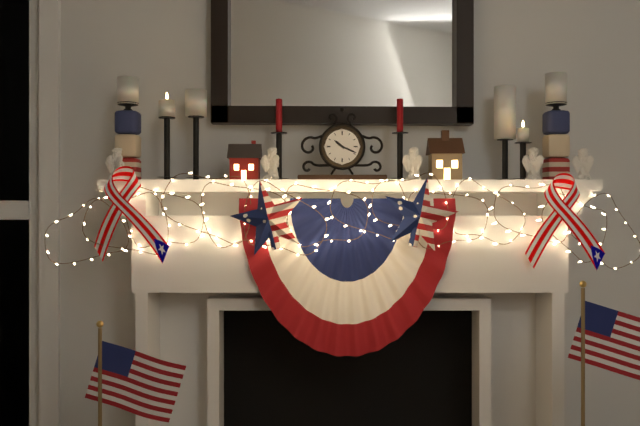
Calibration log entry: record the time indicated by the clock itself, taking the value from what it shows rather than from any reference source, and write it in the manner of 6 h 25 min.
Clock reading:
10 h 19 min
